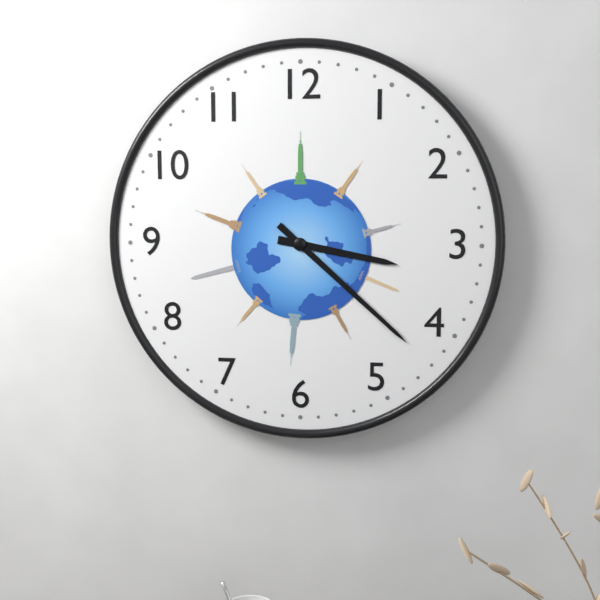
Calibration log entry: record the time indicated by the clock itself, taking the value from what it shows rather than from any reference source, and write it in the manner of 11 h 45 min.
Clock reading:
3 h 22 min
